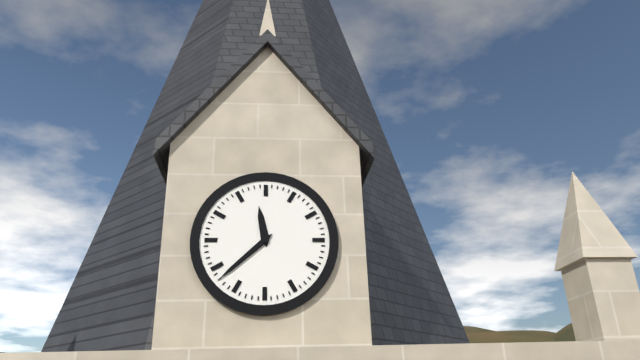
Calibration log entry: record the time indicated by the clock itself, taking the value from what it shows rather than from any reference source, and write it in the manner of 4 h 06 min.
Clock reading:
11 h 38 min
